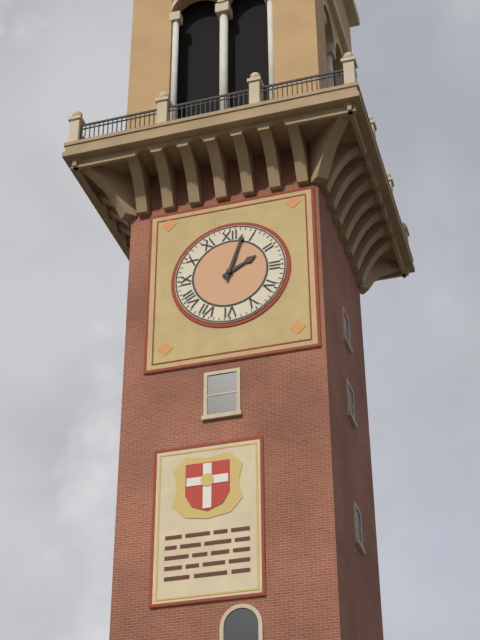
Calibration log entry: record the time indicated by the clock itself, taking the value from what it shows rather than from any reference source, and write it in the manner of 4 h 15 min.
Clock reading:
2 h 03 min
